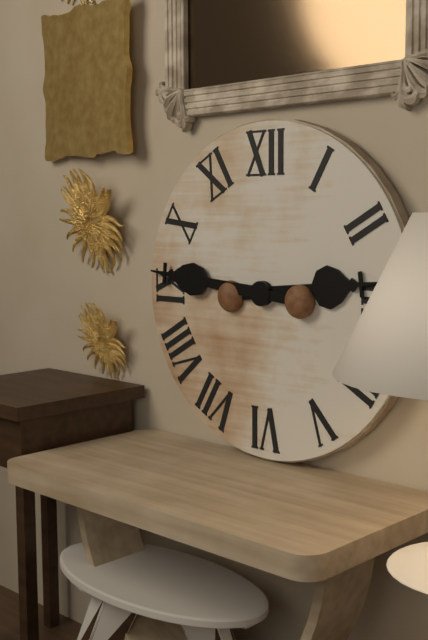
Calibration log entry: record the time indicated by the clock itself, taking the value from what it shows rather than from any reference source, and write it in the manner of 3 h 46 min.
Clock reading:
2 h 46 min
